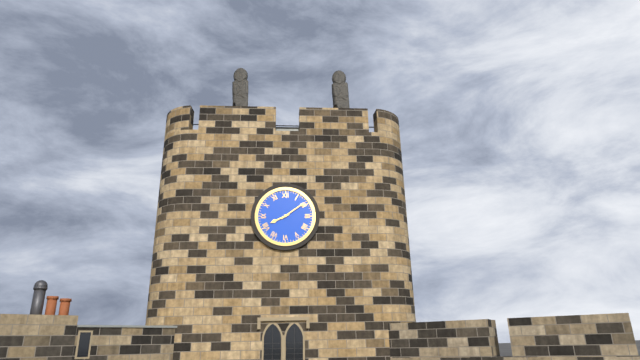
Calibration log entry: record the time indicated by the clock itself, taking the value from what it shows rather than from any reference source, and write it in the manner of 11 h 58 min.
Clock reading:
8 h 09 min
